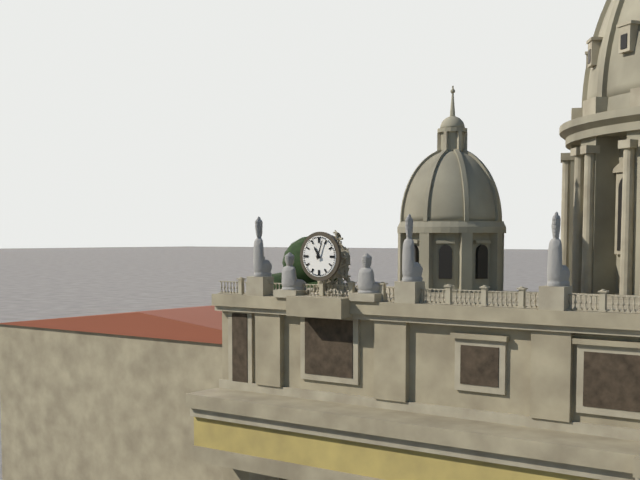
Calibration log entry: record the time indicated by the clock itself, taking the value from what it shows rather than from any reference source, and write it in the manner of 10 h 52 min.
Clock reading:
11 h 03 min
